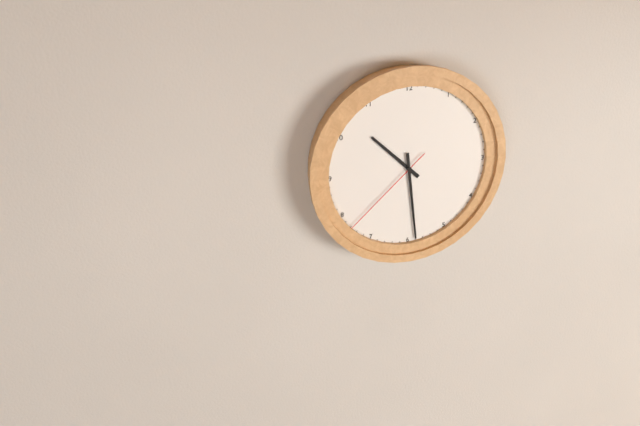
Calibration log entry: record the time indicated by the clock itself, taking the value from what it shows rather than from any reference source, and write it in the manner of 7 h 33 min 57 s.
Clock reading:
10 h 29 min 38 s
